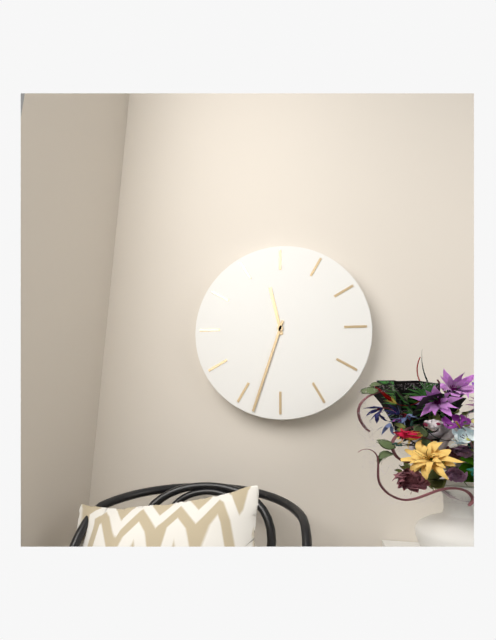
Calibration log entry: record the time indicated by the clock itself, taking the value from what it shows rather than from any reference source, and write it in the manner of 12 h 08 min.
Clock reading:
11 h 33 min
